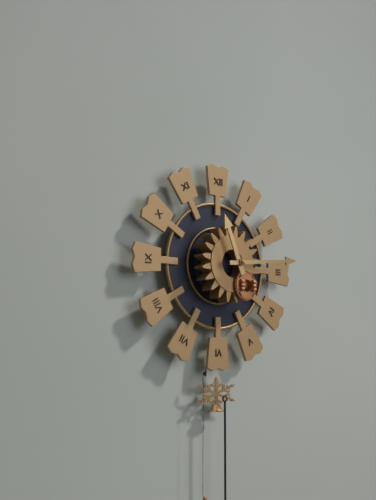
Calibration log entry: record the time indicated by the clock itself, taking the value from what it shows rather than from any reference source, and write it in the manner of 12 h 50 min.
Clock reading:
11 h 14 min
